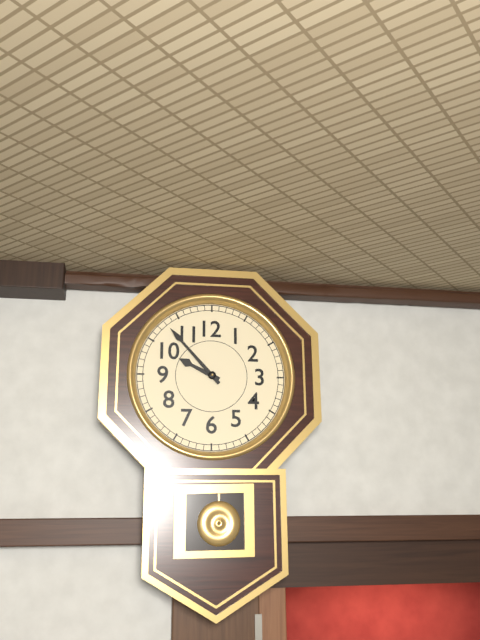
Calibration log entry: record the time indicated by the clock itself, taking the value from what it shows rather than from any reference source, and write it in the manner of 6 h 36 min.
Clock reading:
9 h 53 min
